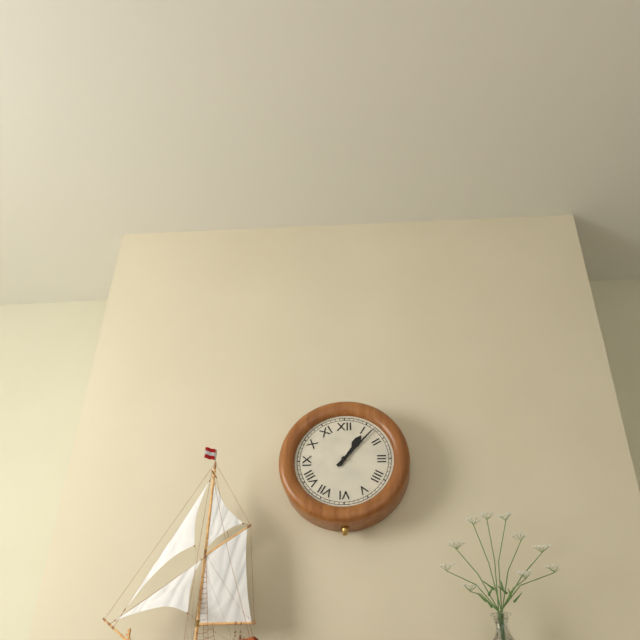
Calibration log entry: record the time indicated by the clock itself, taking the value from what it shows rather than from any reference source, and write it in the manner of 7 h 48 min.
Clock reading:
1 h 07 min
